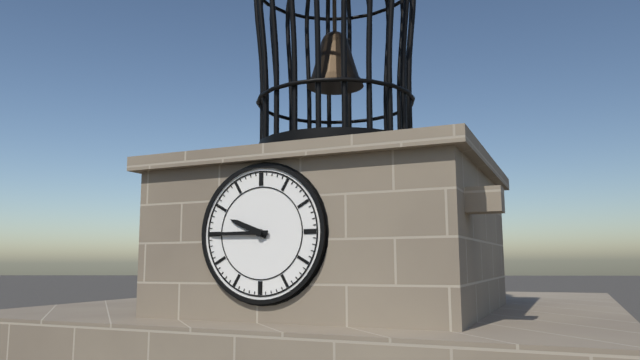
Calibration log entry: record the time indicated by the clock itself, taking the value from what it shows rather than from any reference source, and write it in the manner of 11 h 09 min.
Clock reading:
9 h 45 min
